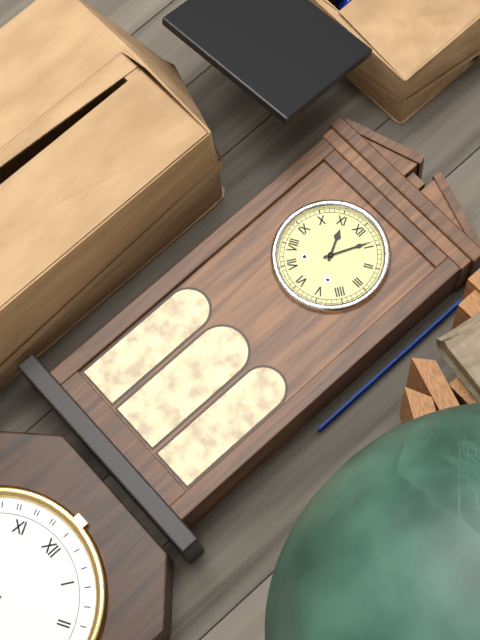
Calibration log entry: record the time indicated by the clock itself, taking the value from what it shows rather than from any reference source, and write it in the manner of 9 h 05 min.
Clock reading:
11 h 04 min
